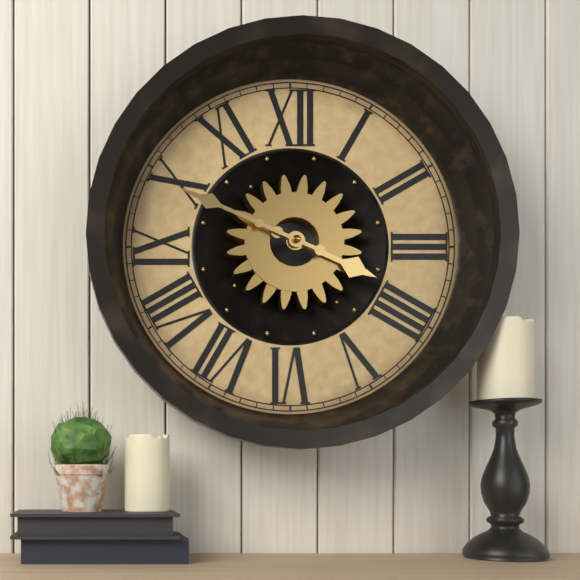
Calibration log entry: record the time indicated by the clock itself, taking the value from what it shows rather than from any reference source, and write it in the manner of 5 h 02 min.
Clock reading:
3 h 49 min
